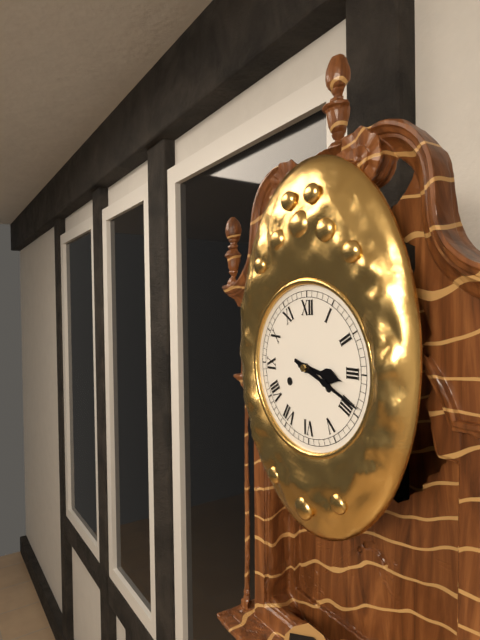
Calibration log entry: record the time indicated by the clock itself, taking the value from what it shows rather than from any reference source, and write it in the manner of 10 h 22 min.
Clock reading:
3 h 19 min
